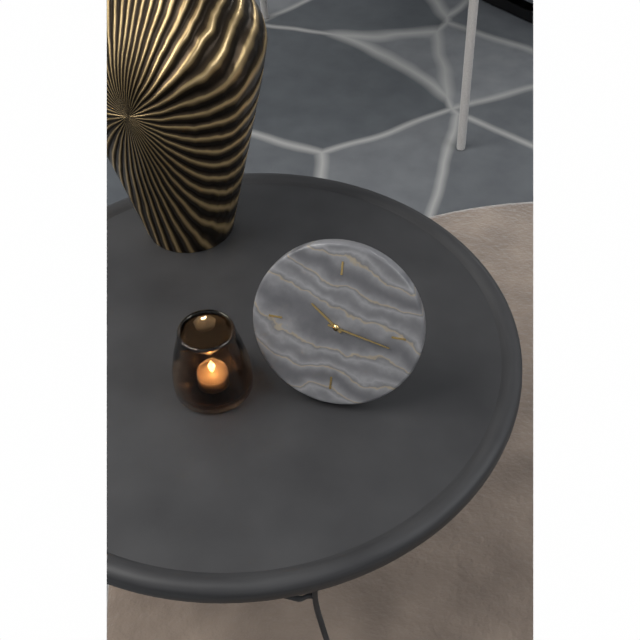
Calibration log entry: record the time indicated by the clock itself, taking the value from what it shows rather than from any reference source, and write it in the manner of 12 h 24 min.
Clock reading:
10 h 17 min
